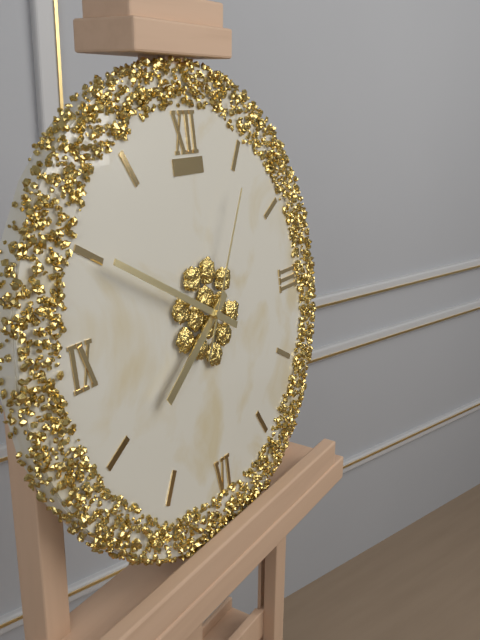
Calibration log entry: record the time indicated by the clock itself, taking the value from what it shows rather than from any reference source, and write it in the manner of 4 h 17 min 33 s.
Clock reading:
7 h 50 min 05 s
